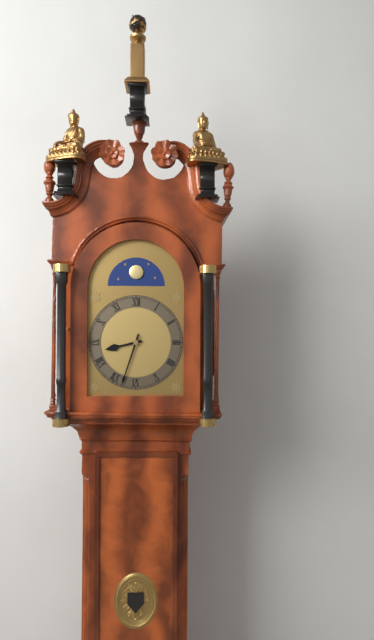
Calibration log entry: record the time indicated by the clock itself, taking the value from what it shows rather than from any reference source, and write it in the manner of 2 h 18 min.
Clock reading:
8 h 33 min
